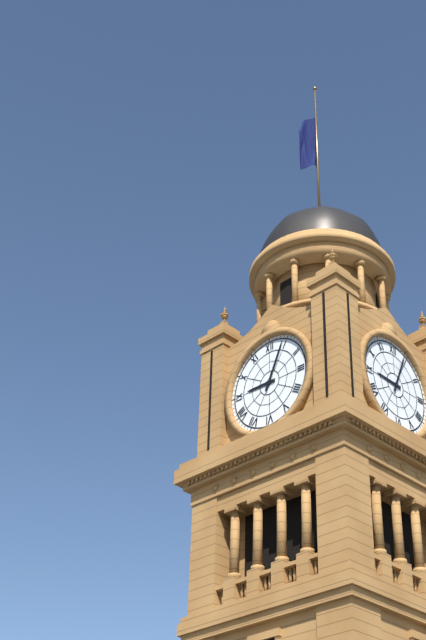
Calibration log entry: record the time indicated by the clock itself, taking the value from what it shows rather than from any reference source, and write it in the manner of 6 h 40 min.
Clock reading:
9 h 04 min
